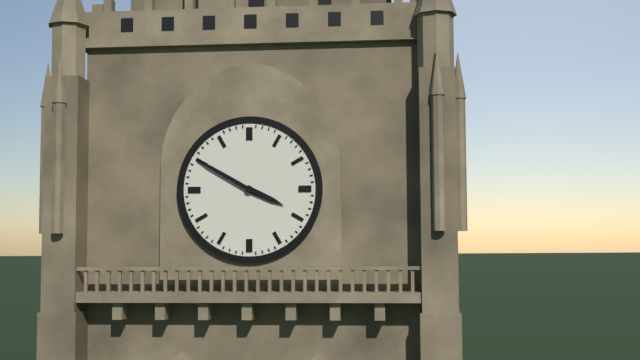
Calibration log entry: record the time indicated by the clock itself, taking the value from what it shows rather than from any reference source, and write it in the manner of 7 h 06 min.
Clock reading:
3 h 50 min
